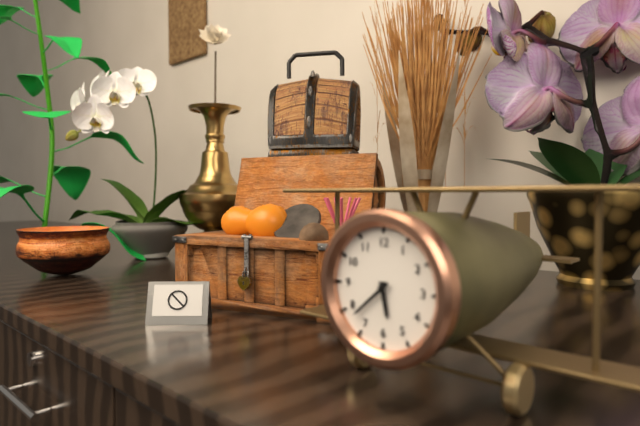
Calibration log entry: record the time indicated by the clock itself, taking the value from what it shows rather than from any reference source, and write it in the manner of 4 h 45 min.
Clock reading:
5 h 38 min
